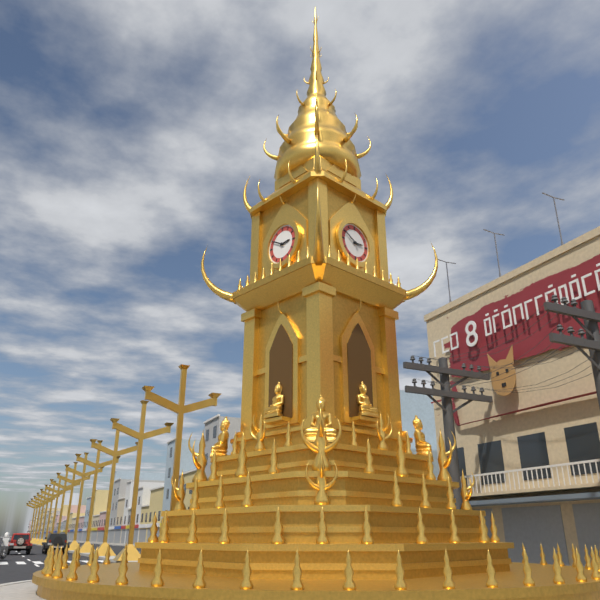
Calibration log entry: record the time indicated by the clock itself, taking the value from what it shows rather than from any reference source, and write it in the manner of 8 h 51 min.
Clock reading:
2 h 50 min
